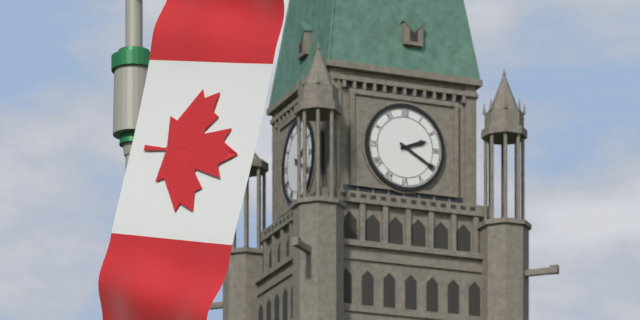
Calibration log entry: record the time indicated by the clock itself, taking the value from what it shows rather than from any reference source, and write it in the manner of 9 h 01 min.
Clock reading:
2 h 20 min
